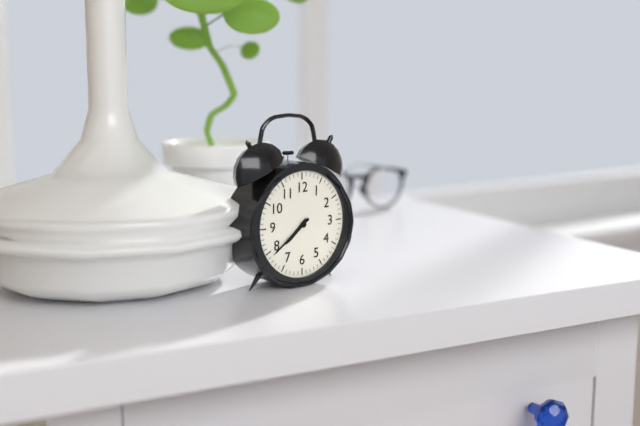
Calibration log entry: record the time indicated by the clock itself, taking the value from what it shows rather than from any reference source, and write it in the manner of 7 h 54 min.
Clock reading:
7 h 39 min
